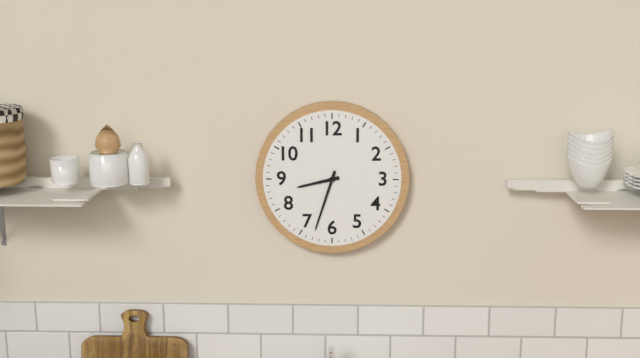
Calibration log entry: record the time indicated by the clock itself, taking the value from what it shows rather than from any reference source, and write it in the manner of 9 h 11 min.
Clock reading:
8 h 33 min
